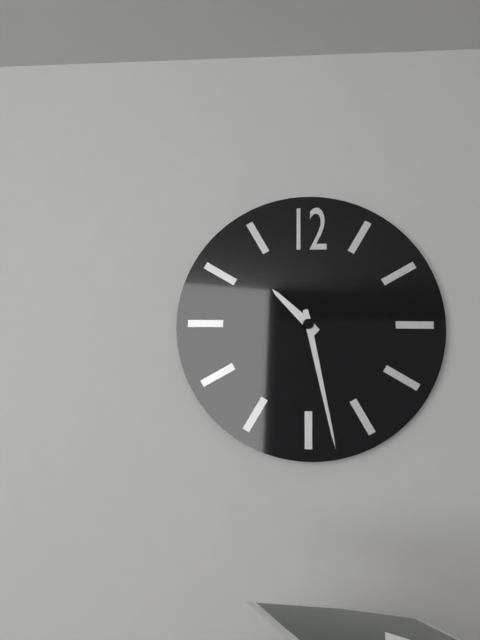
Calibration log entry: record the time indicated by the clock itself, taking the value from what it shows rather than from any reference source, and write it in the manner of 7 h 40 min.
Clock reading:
10 h 28 min
